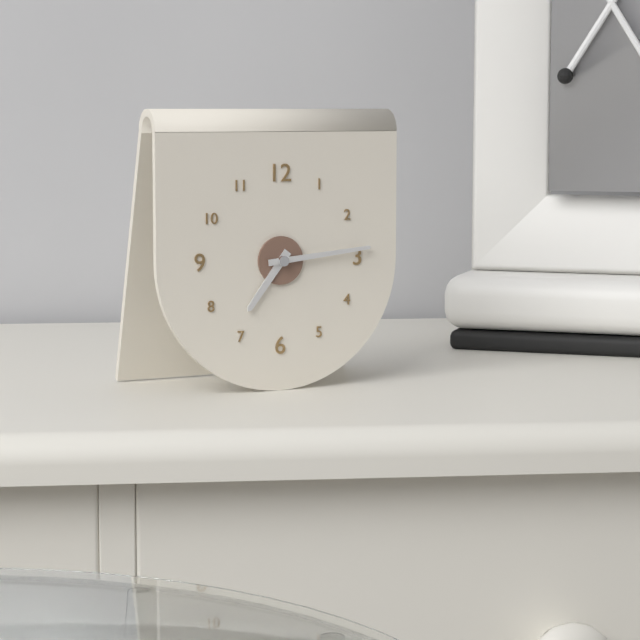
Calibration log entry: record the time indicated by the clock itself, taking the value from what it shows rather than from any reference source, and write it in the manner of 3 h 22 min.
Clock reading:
7 h 14 min
